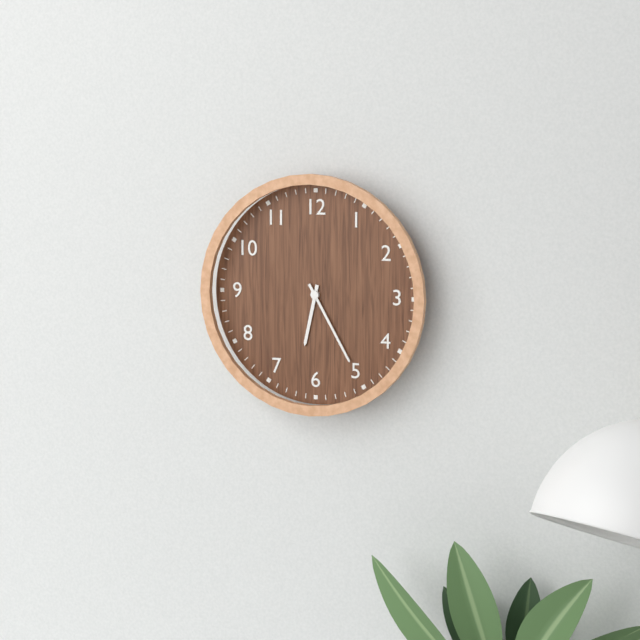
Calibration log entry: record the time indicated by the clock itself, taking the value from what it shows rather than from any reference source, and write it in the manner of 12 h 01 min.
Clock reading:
6 h 25 min
